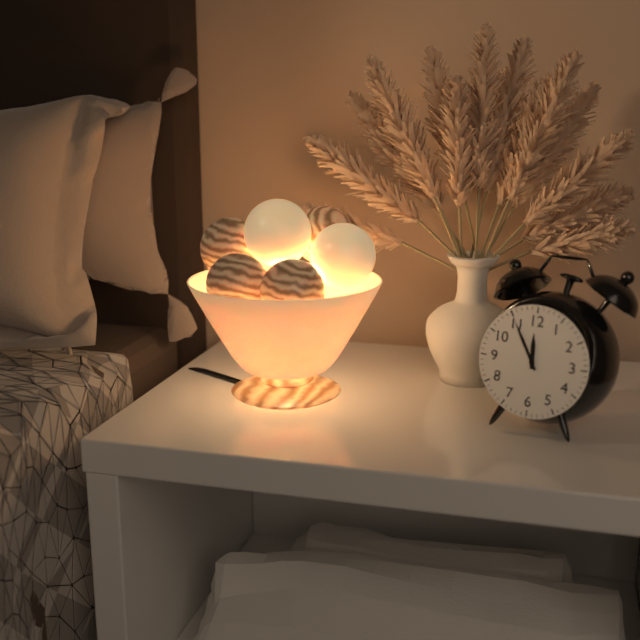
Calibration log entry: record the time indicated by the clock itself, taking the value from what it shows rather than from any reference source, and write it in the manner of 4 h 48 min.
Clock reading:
11 h 55 min
